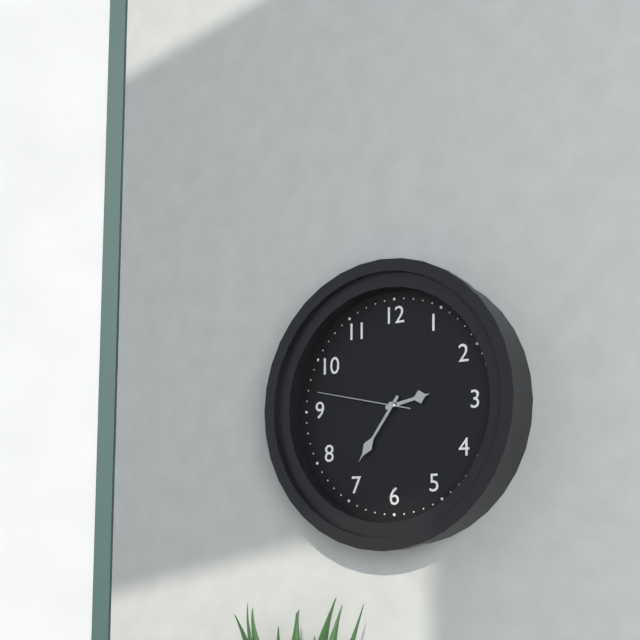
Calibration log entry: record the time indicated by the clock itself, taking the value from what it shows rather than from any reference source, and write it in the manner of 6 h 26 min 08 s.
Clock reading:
2 h 36 min 47 s
